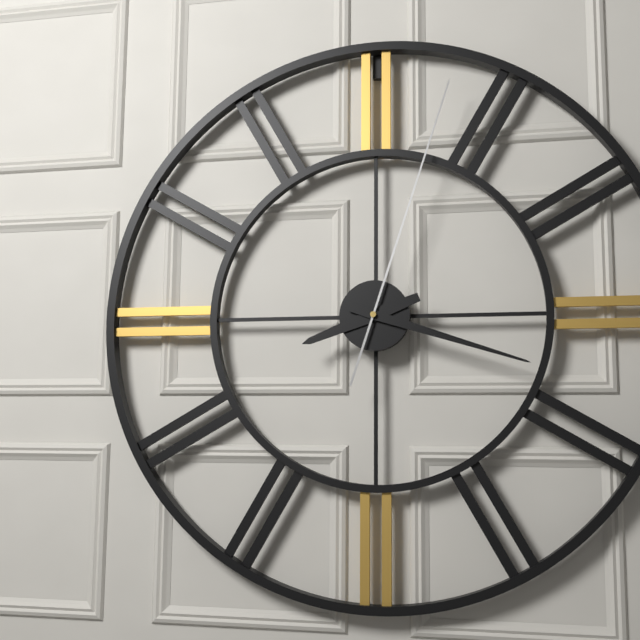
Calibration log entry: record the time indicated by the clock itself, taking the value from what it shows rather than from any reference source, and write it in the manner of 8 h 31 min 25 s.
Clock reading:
8 h 18 min 03 s
